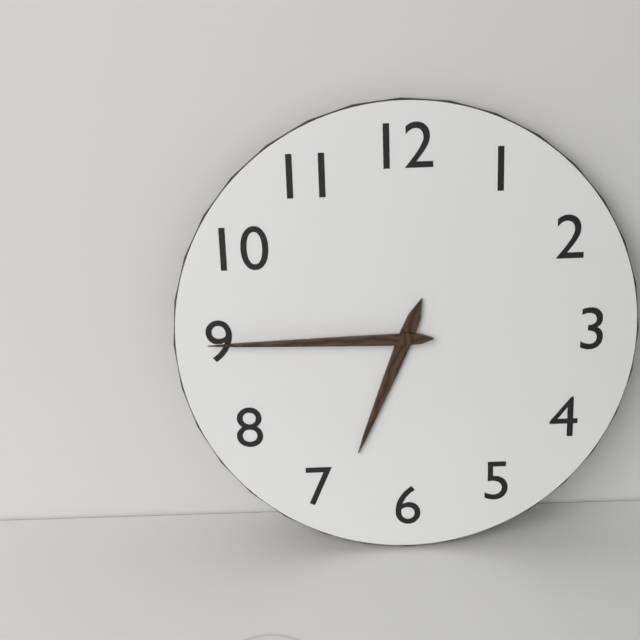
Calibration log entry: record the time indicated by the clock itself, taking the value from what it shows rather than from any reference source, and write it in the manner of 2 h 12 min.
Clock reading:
6 h 45 min
